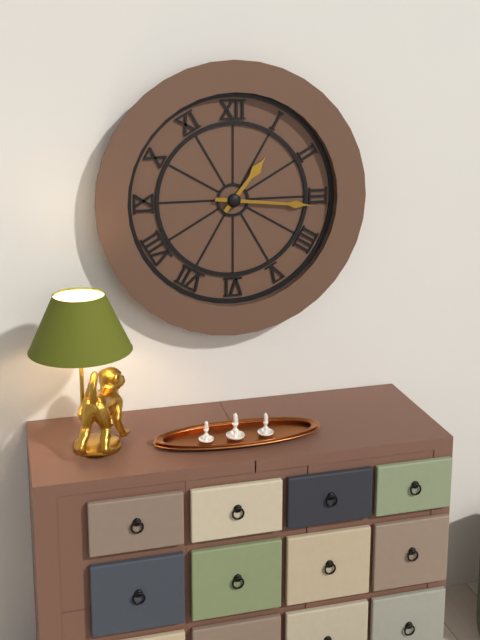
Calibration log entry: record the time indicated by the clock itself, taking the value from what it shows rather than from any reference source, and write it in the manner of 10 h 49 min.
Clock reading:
1 h 16 min
